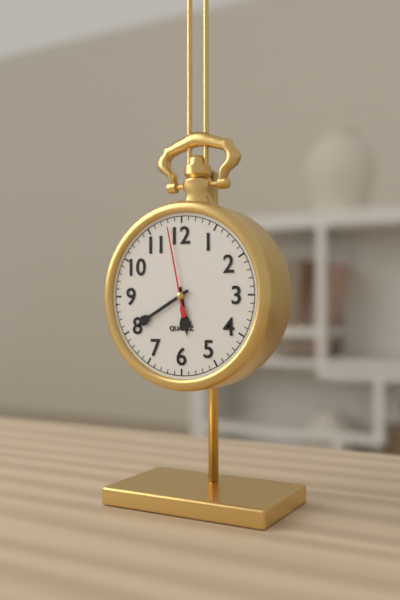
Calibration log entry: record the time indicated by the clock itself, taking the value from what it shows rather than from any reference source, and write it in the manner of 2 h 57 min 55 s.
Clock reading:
5 h 40 min 58 s
